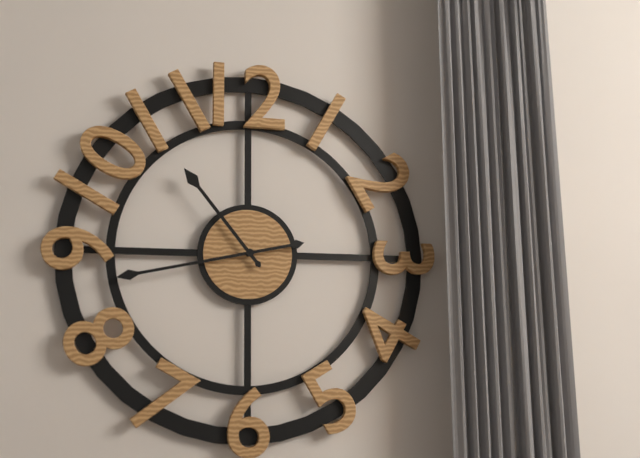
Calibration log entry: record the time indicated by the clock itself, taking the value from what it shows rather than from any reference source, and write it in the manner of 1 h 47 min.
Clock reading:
10 h 43 min
